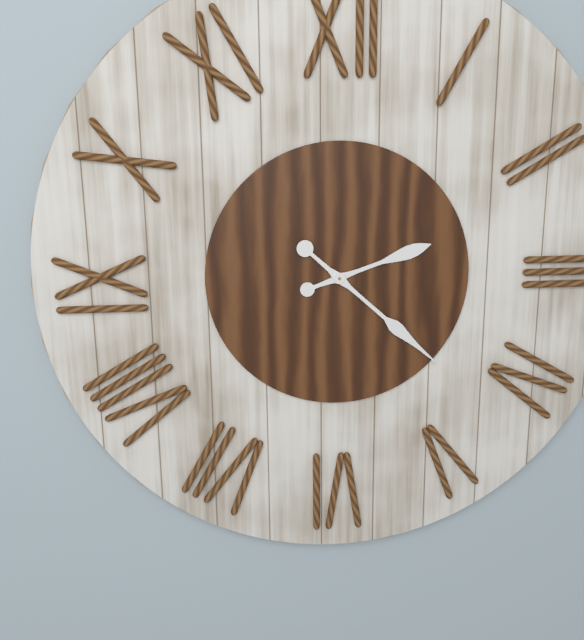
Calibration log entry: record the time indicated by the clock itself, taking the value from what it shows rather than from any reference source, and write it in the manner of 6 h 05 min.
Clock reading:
2 h 22 min
